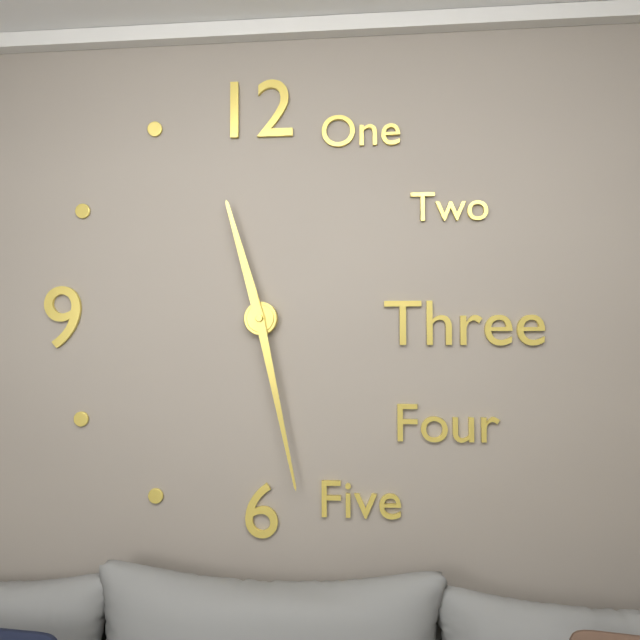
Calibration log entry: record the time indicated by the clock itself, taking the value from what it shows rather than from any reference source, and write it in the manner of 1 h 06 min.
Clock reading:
11 h 28 min
